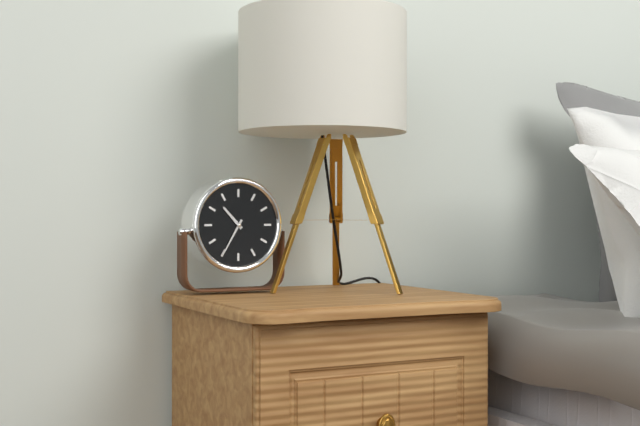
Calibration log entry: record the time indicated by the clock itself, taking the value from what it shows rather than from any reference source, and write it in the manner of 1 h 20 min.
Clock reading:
10 h 35 min
